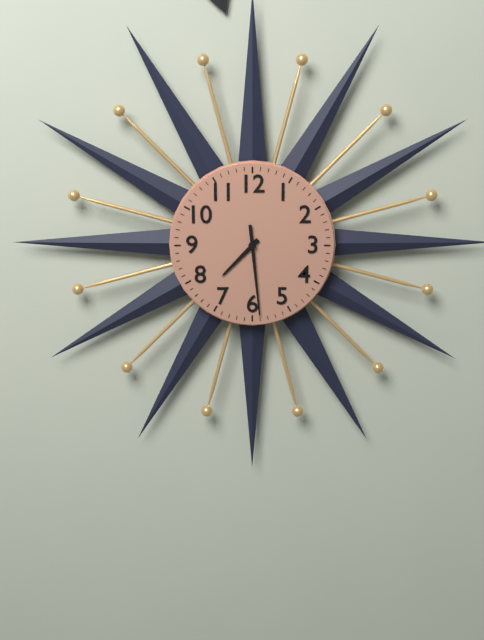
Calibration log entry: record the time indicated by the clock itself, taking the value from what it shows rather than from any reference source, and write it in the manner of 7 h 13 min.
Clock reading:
7 h 29 min
